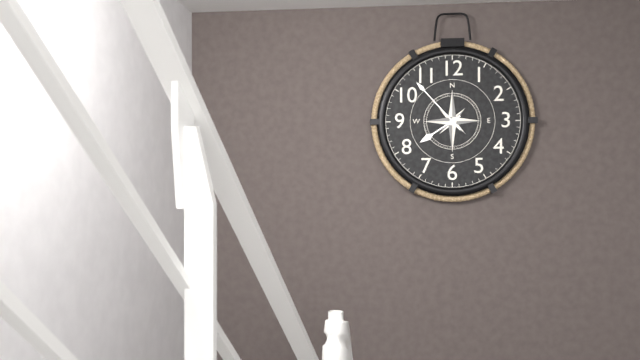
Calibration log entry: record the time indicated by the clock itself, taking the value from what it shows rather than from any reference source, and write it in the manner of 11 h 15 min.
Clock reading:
7 h 53 min
